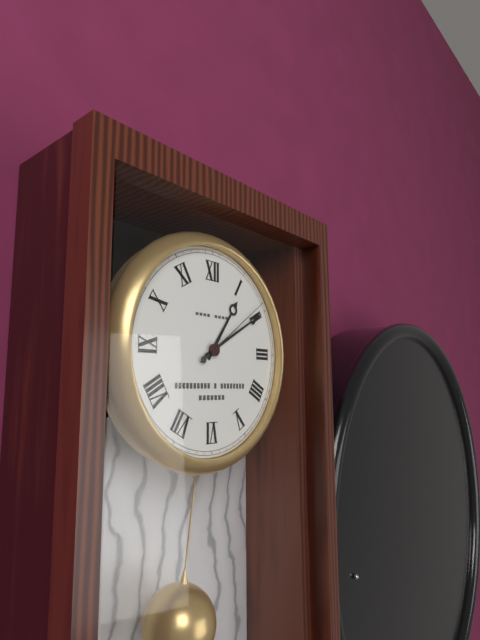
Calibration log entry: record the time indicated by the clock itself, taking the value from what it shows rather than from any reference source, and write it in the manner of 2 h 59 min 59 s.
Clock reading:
1 h 10 min 09 s
